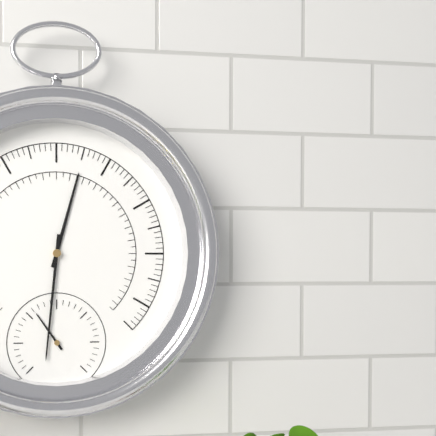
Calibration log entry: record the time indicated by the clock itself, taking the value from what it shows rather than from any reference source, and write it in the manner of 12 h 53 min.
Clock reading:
12 h 31 min
